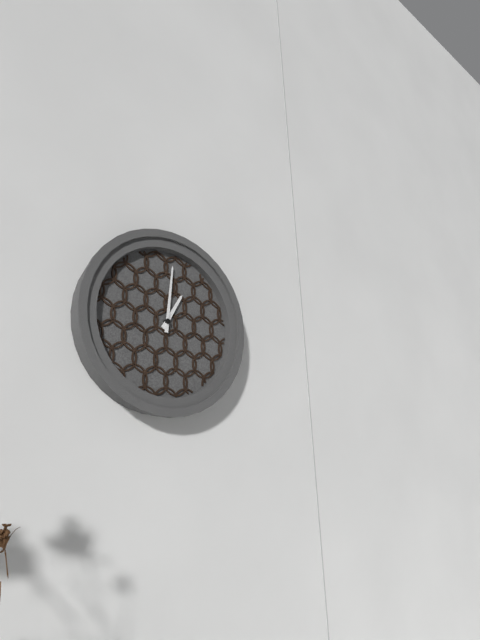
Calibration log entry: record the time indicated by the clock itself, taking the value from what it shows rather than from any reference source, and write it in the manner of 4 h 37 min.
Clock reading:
1 h 01 min
